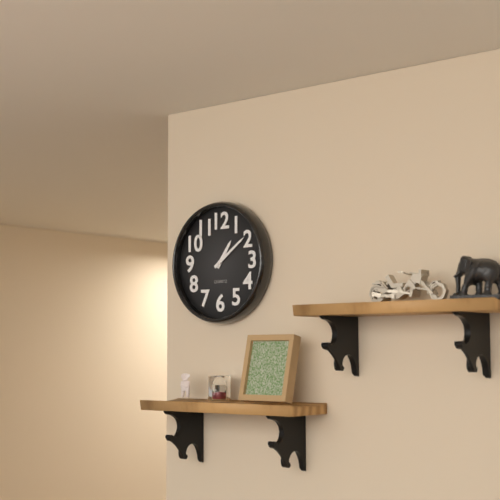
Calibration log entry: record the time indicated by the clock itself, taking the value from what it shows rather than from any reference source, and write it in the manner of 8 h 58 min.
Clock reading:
1 h 09 min
